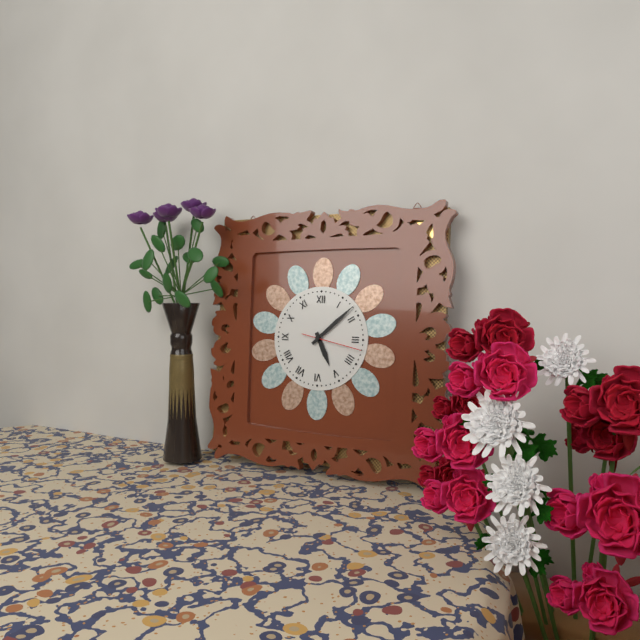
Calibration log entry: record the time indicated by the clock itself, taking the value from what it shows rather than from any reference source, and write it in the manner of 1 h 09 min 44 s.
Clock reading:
5 h 08 min 17 s
